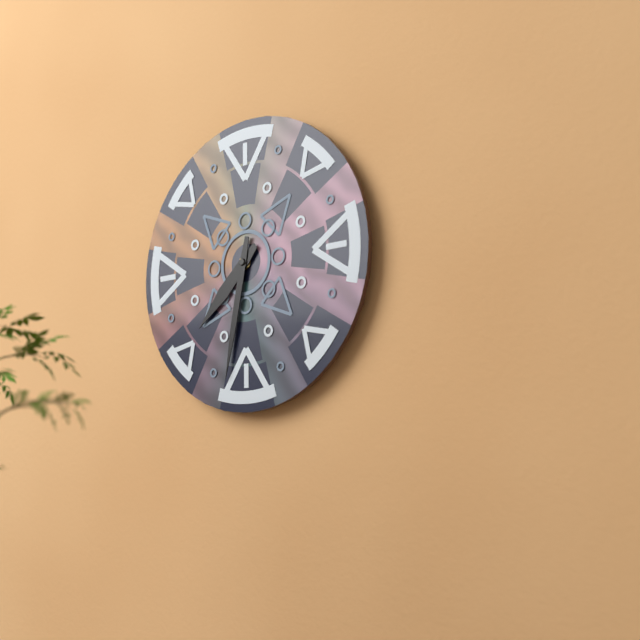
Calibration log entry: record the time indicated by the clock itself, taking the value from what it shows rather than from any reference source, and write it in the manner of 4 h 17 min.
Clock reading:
7 h 32 min
